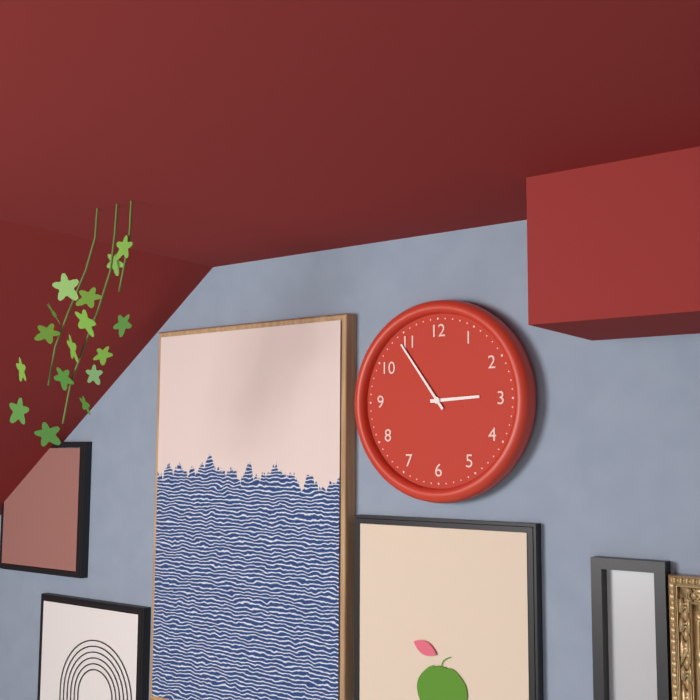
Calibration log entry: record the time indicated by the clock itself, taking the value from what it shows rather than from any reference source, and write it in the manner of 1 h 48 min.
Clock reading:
2 h 54 min
